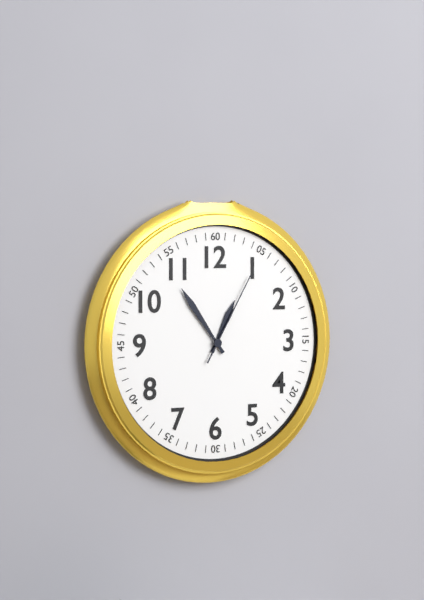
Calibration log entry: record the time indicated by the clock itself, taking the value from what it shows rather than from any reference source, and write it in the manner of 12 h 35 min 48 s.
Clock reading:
12 h 54 min 05 s
